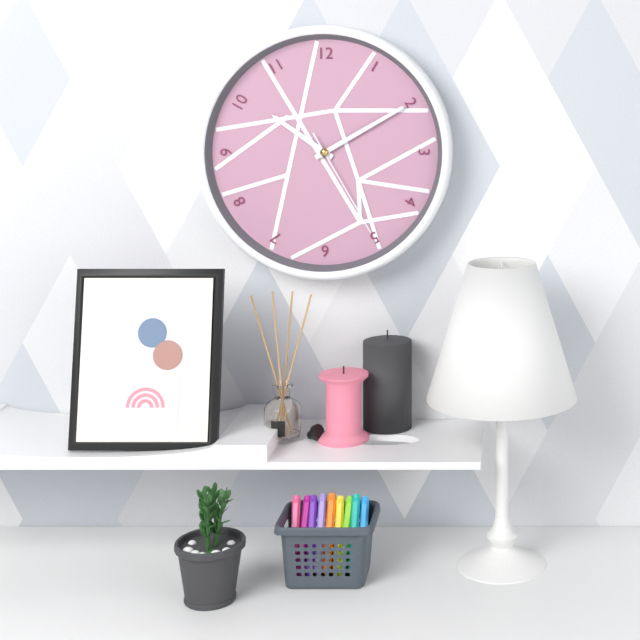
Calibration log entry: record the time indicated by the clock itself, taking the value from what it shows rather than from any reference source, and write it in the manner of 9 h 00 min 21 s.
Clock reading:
10 h 10 min 25 s
